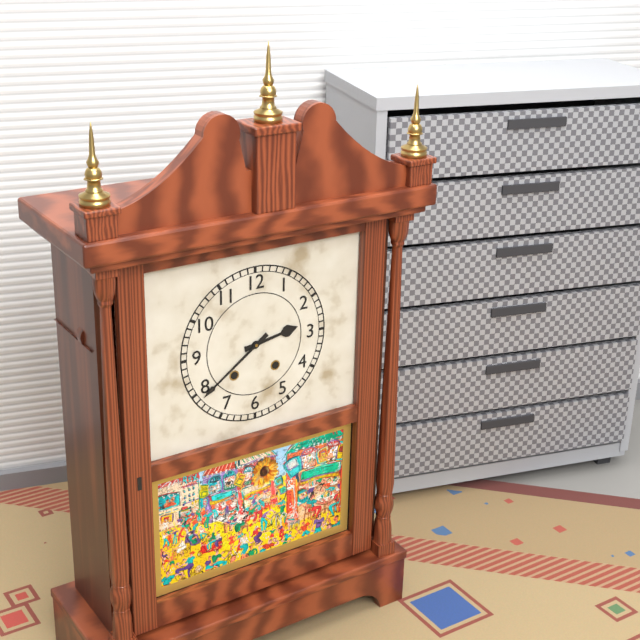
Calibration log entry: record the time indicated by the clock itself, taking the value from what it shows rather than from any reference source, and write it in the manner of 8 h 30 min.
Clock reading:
2 h 39 min
